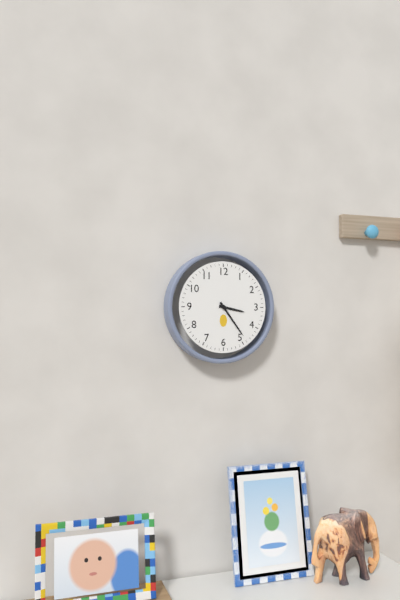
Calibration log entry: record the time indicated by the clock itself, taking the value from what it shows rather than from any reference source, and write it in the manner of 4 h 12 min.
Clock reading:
3 h 24 min
